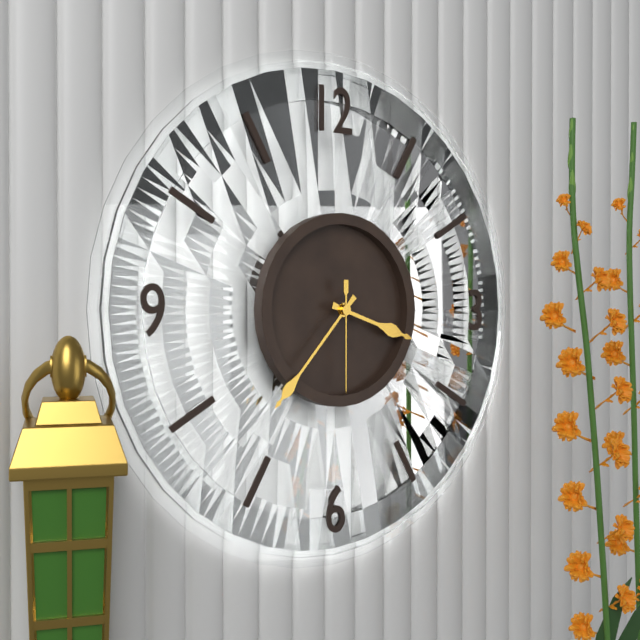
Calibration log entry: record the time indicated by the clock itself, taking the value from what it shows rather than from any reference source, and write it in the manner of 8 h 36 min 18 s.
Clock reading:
3 h 37 min 30 s
